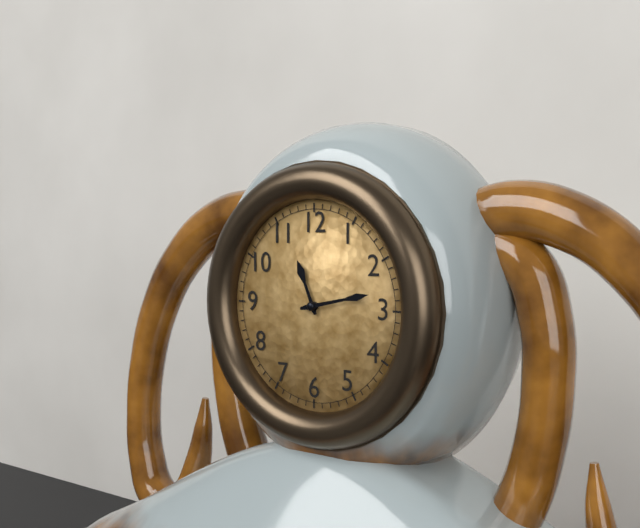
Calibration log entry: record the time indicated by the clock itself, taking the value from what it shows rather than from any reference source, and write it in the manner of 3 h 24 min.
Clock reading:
11 h 13 min
